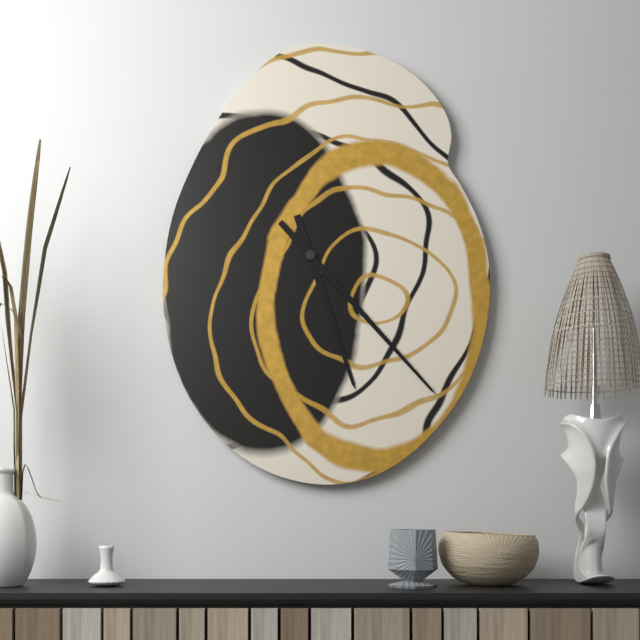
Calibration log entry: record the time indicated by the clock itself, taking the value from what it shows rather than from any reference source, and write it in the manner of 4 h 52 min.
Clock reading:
5 h 23 min
